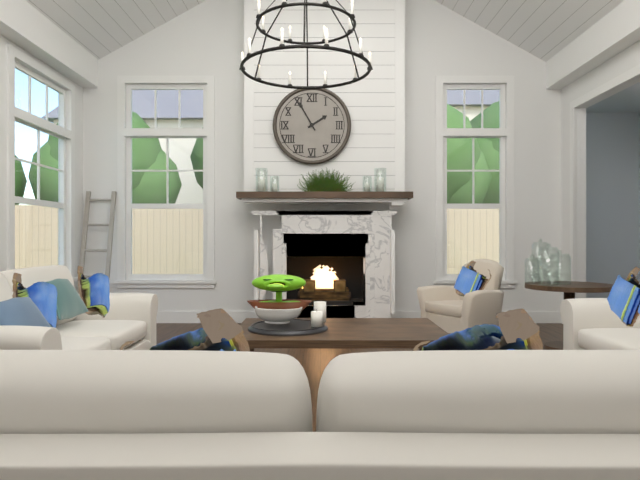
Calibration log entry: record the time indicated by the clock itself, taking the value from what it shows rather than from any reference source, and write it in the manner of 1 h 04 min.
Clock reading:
1 h 55 min
